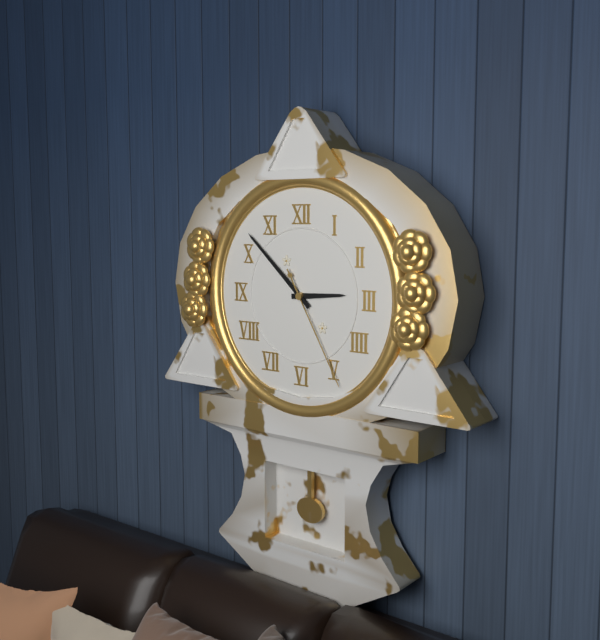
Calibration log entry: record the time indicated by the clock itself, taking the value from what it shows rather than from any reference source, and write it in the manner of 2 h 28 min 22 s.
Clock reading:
2 h 52 min 25 s
